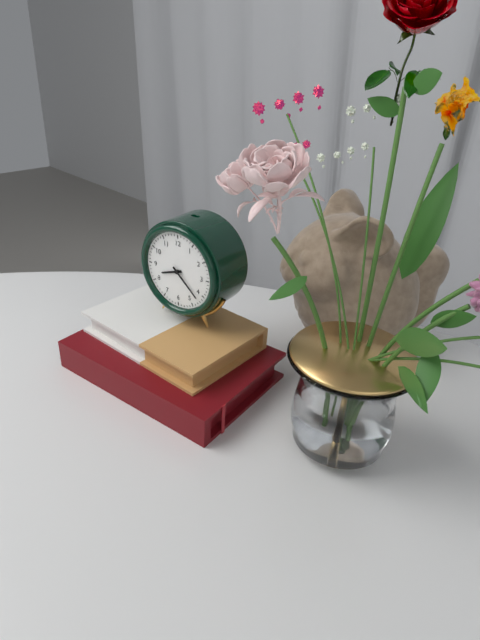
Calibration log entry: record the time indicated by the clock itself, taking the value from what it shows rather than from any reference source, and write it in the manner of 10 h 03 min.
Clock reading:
8 h 22 min
